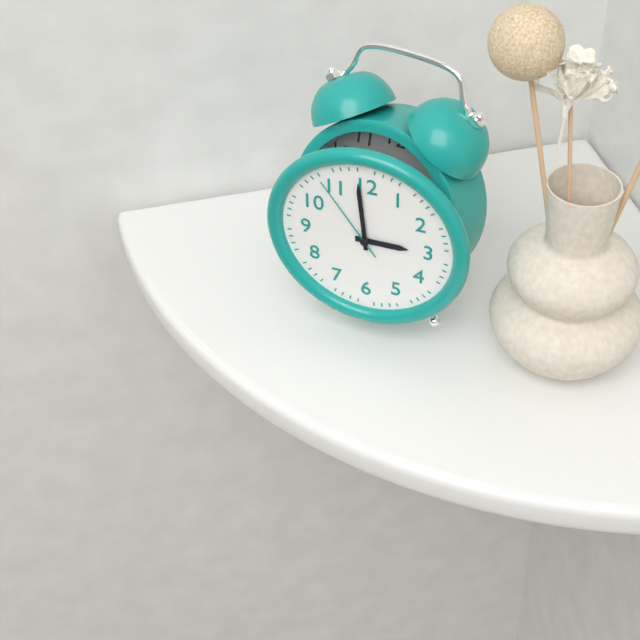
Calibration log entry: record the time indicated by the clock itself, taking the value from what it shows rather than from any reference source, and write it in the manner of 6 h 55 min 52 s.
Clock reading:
2 h 59 min 54 s
